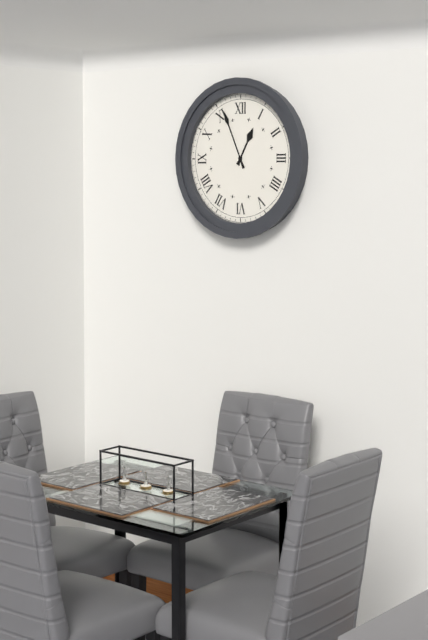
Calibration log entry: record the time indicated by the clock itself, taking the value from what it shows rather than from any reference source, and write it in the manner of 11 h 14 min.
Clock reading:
12 h 56 min
